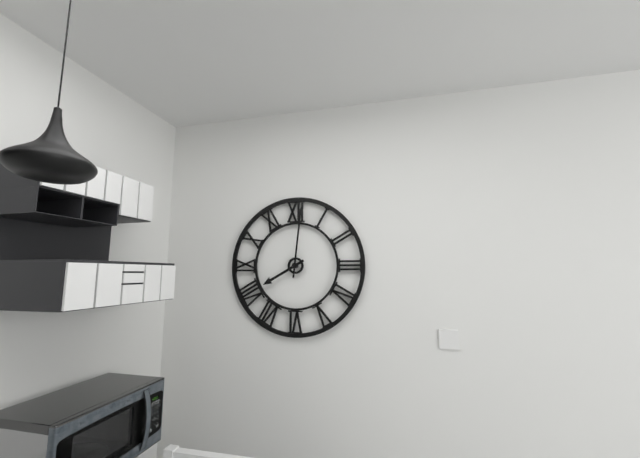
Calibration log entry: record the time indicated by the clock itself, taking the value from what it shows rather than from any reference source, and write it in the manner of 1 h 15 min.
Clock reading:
8 h 01 min
